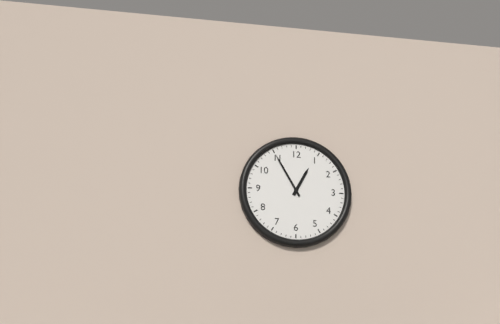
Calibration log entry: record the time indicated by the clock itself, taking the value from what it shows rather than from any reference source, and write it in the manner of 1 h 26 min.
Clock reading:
12 h 55 min
